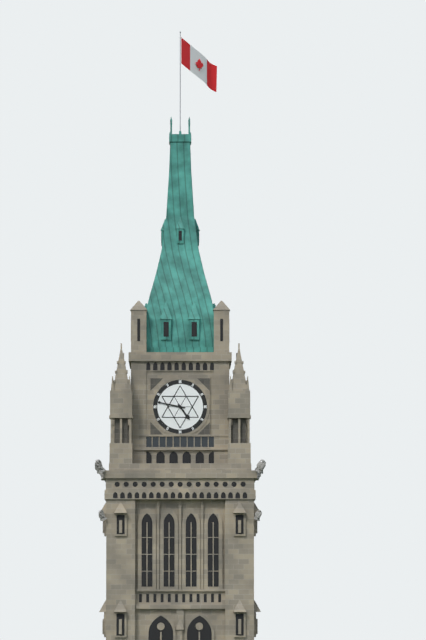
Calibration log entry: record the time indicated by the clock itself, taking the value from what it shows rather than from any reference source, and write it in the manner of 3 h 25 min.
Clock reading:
4 h 47 min
